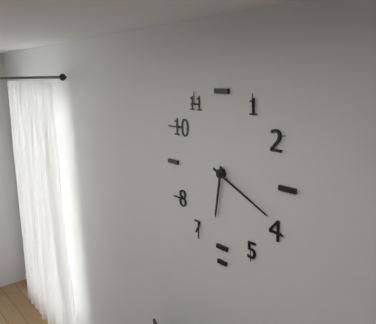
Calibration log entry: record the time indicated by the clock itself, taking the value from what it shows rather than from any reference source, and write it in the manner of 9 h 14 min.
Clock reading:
6 h 19 min
